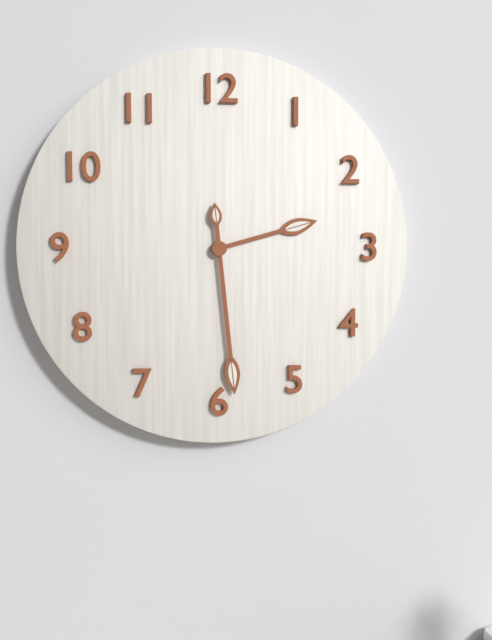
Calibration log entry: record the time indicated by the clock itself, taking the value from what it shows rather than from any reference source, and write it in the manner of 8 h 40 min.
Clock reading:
2 h 29 min
